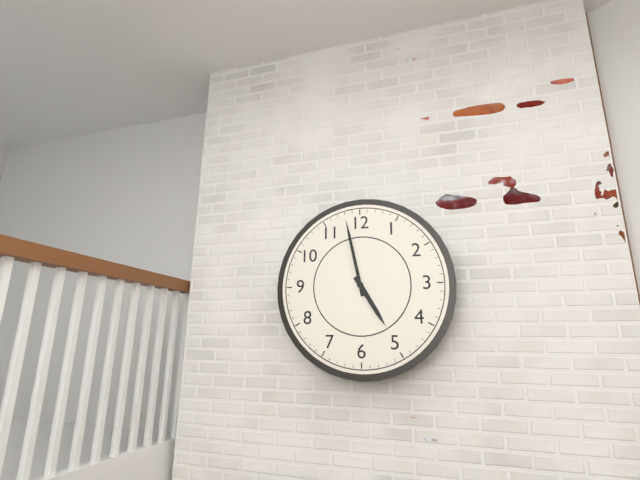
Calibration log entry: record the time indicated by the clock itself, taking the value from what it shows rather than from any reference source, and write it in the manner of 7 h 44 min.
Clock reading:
4 h 58 min
